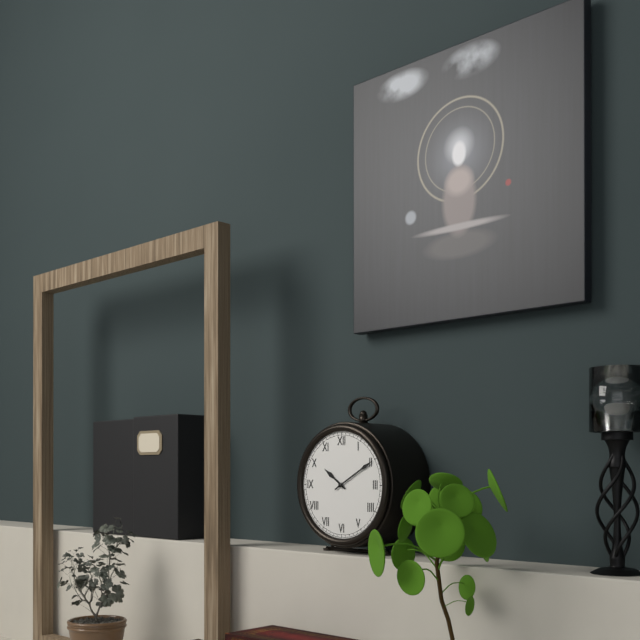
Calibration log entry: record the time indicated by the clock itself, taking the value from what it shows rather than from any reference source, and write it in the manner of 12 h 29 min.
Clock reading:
10 h 10 min
